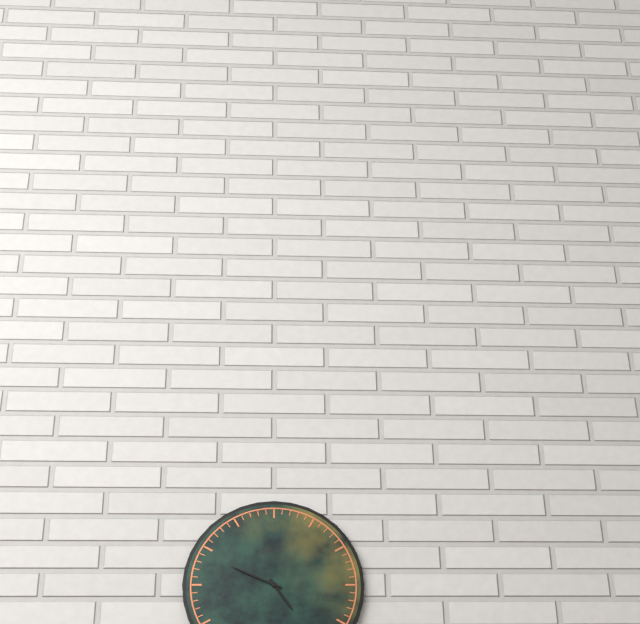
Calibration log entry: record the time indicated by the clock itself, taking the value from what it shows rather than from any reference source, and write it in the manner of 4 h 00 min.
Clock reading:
4 h 49 min
